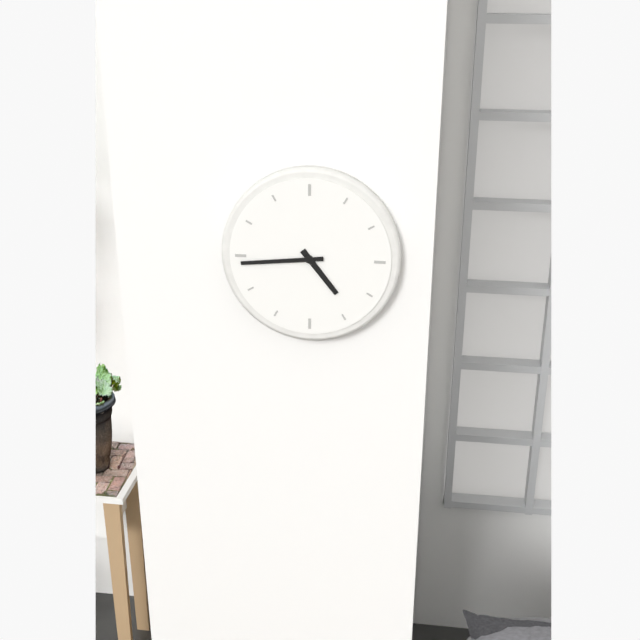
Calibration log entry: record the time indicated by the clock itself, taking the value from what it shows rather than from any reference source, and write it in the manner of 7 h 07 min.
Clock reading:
4 h 44 min
